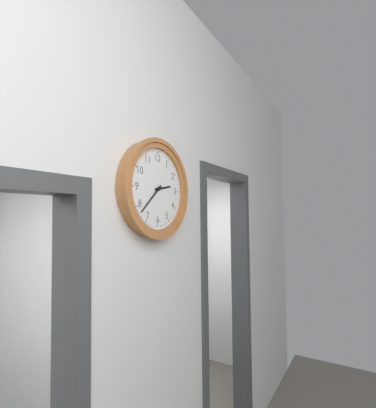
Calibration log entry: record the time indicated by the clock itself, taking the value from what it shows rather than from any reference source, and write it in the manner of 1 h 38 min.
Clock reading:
2 h 38 min
